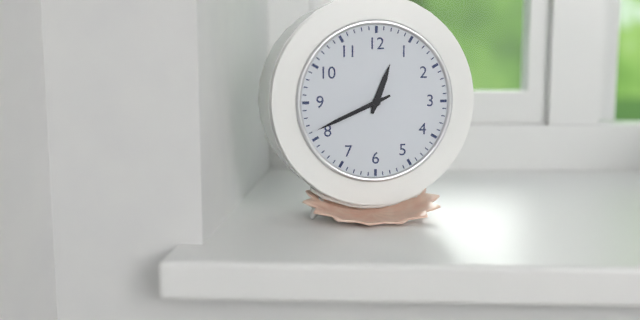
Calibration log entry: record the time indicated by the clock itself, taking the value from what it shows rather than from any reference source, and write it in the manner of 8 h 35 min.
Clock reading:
12 h 41 min
